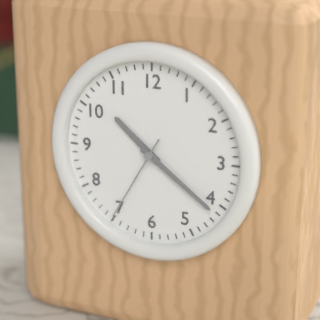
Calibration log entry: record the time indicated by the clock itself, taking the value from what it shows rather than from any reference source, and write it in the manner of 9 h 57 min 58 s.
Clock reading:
10 h 21 min 35 s
